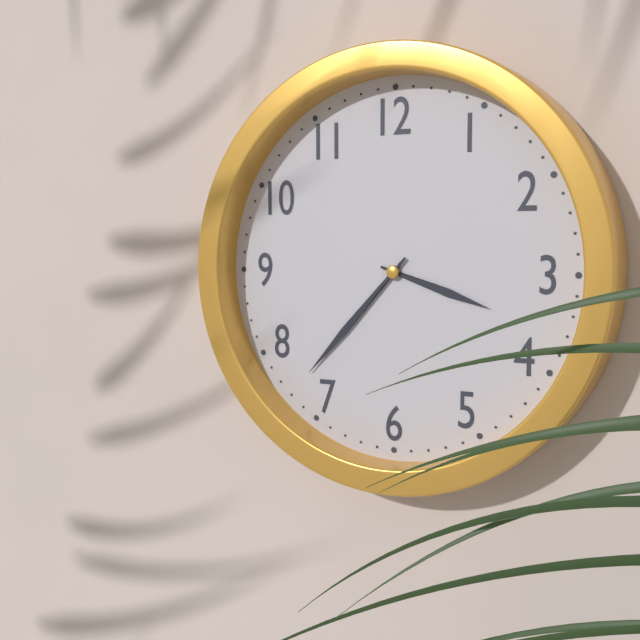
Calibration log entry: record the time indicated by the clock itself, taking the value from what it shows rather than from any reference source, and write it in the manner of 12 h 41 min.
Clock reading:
3 h 37 min
